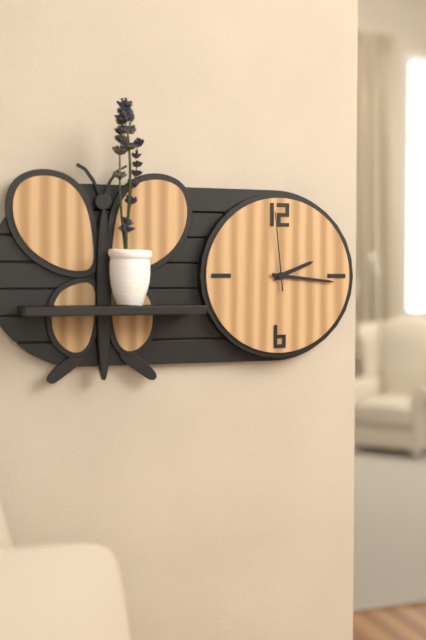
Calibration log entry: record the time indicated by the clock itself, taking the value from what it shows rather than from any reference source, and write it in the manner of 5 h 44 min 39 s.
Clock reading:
2 h 16 min 59 s
